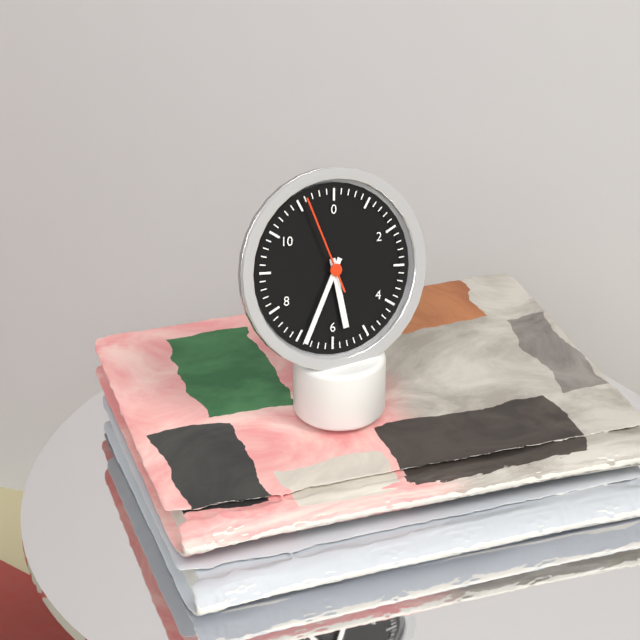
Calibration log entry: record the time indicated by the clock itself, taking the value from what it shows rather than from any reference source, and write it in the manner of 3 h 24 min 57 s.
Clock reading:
5 h 34 min 56 s
